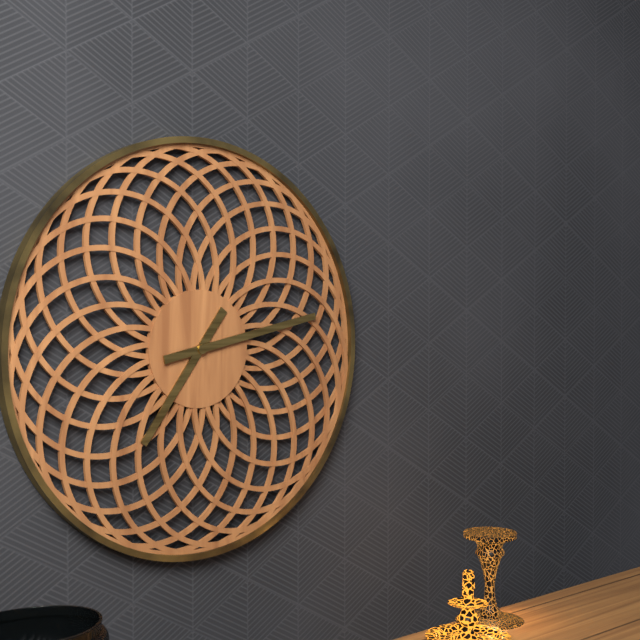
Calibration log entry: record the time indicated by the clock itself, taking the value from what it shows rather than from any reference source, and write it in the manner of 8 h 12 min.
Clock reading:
7 h 13 min
